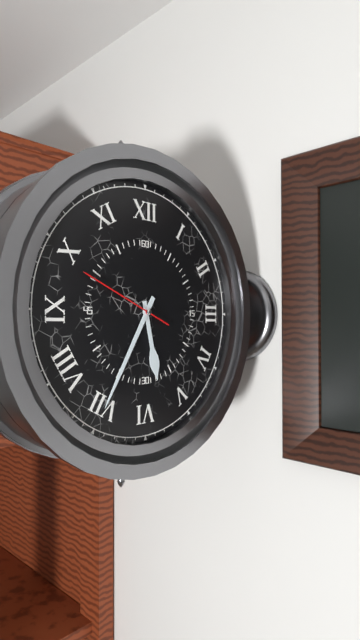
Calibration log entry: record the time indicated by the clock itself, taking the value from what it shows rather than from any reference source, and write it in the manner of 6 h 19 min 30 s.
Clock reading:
5 h 35 min 49 s
